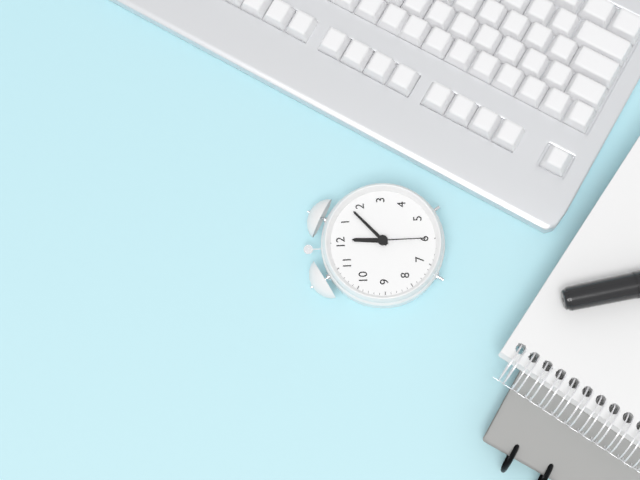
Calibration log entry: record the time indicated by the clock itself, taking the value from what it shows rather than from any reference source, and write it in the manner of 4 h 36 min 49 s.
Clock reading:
12 h 08 min 30 s
